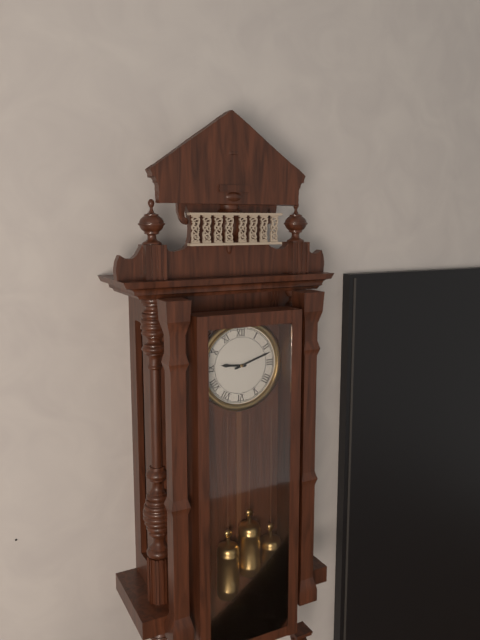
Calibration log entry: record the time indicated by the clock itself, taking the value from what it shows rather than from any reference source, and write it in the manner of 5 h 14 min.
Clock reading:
9 h 12 min
